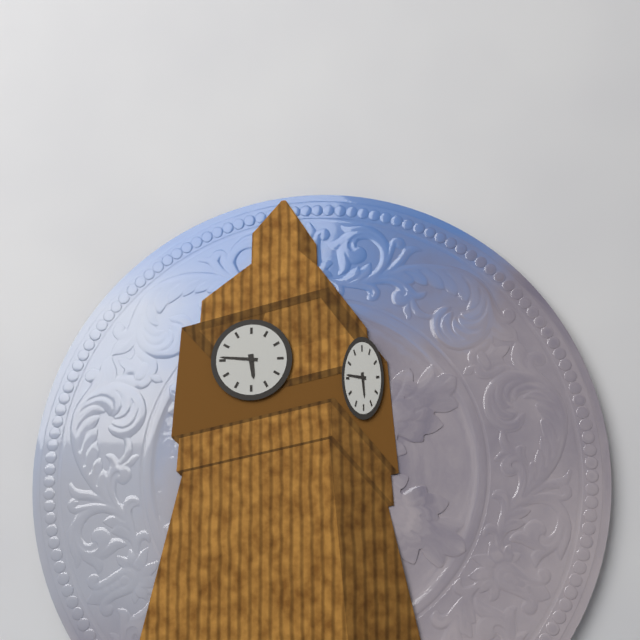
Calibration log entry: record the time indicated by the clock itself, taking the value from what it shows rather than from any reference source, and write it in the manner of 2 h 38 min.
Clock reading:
5 h 46 min
